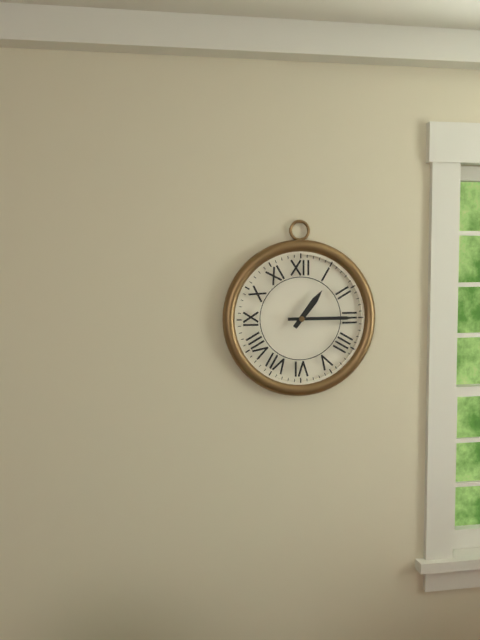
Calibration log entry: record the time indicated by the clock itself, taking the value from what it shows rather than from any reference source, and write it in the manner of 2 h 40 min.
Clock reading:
1 h 15 min
